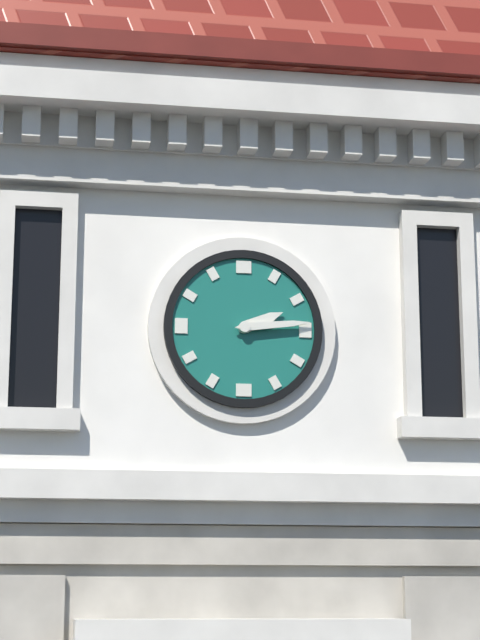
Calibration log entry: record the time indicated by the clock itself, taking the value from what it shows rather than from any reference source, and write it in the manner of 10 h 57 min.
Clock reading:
2 h 14 min
